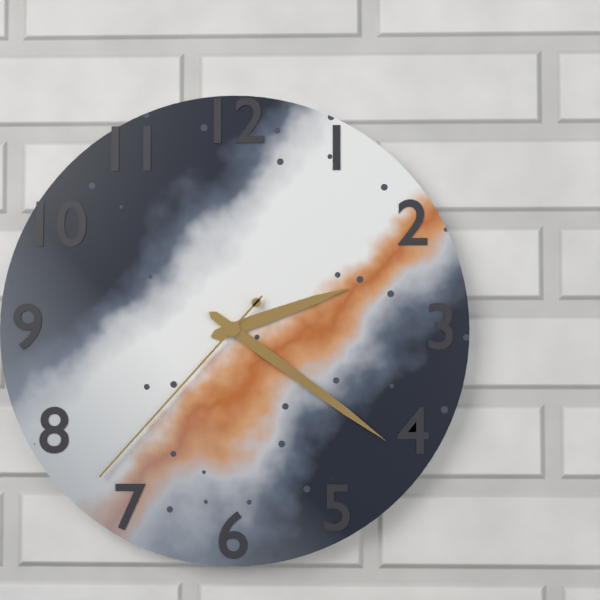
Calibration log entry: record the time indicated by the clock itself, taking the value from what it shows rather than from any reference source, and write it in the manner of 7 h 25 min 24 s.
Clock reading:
2 h 21 min 37 s
